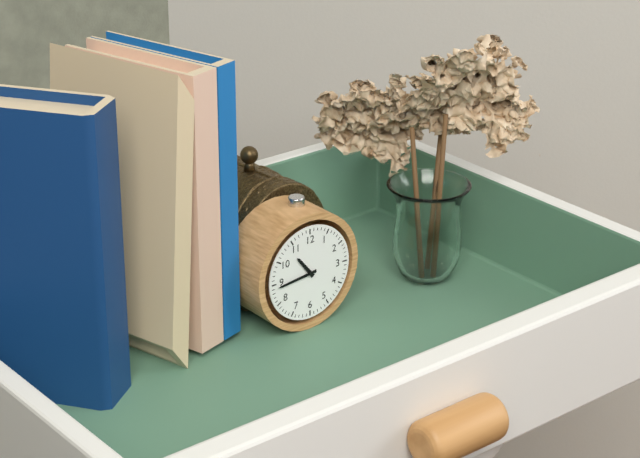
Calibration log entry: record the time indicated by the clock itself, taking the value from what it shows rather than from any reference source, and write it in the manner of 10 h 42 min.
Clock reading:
10 h 44 min
